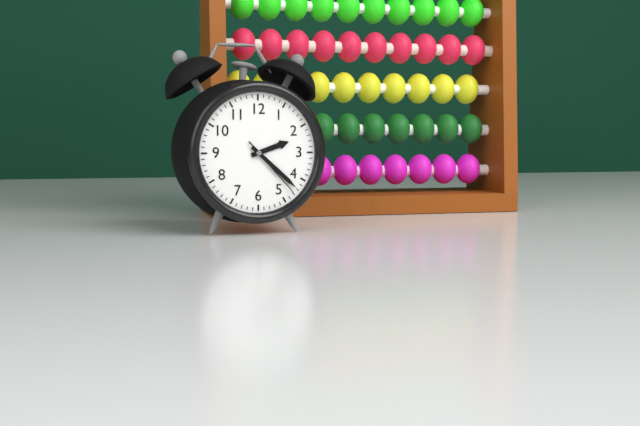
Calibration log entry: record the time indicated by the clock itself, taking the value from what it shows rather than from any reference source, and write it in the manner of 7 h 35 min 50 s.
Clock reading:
2 h 22 min 23 s
